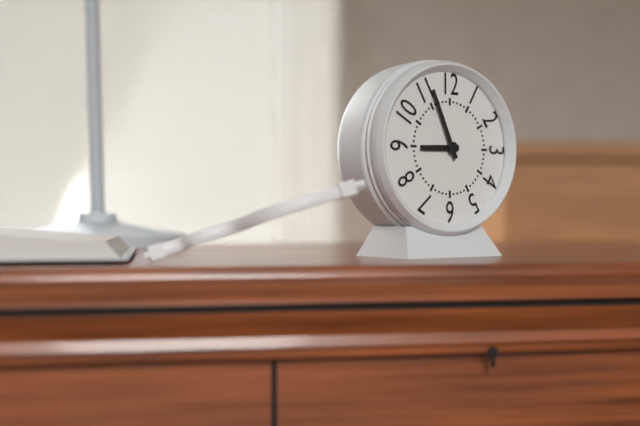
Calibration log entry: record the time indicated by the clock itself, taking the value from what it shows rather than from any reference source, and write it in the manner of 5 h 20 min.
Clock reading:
8 h 56 min
